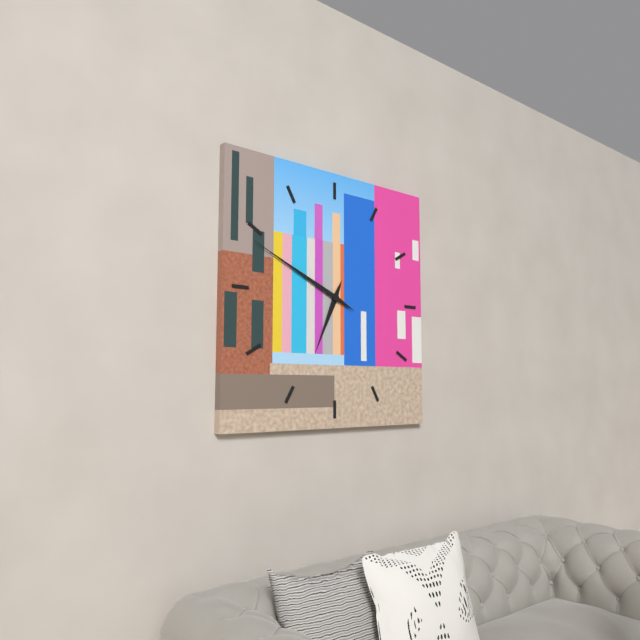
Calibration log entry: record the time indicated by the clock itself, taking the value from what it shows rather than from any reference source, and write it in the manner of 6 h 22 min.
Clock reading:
6 h 49 min
